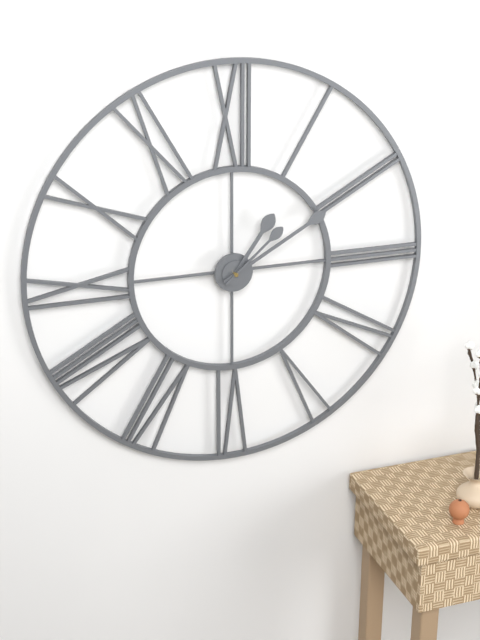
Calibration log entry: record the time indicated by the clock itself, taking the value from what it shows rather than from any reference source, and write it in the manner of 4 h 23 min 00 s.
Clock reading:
1 h 10 min 08 s
